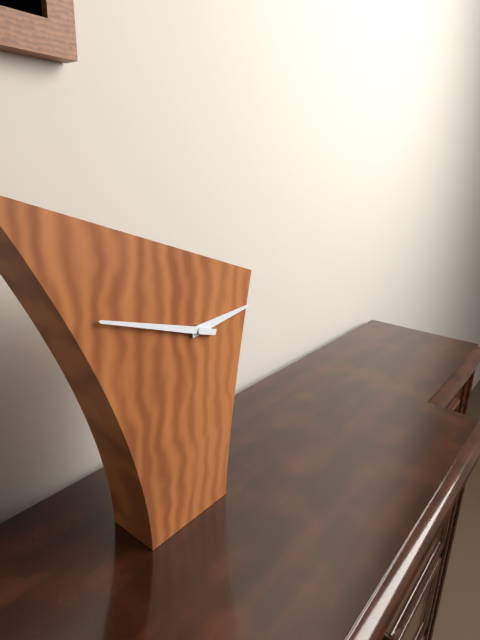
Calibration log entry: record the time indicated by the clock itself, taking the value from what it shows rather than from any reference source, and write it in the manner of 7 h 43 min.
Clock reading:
2 h 48 min
